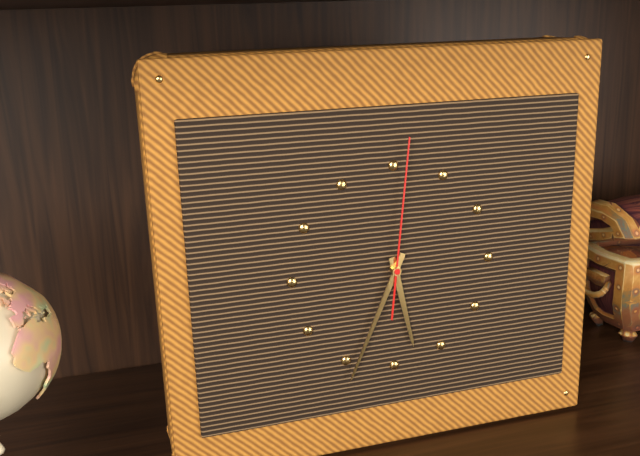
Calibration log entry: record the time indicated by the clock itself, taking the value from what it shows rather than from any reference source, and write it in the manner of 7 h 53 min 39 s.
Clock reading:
5 h 34 min 01 s
